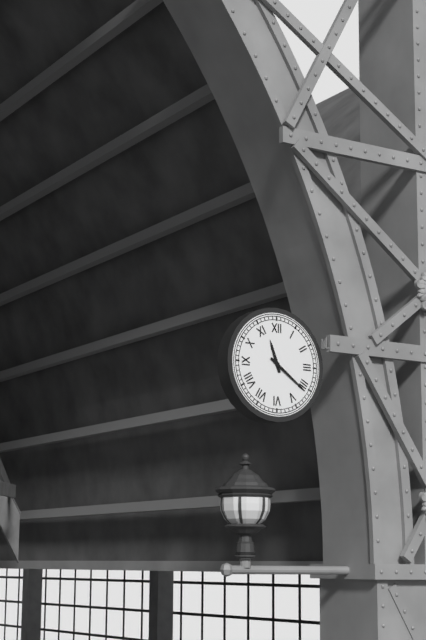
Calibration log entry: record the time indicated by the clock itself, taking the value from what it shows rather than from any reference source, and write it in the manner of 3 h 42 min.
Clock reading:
11 h 21 min
